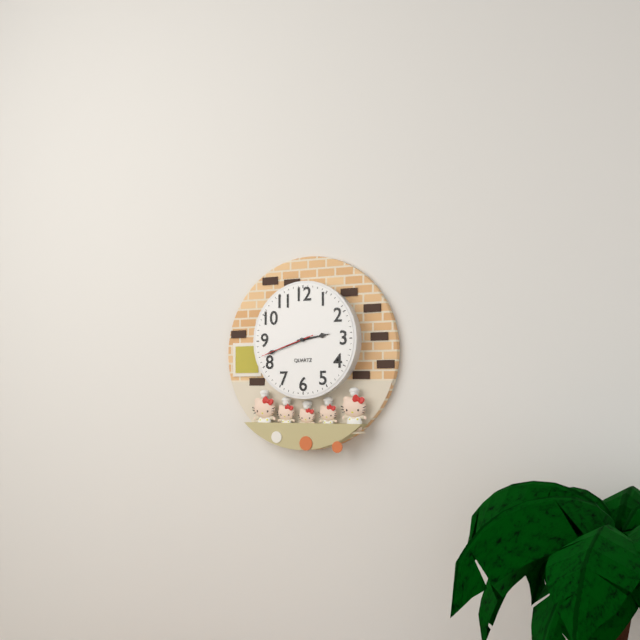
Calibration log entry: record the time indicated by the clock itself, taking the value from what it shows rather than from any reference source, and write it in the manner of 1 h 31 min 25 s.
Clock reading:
2 h 42 min 42 s
